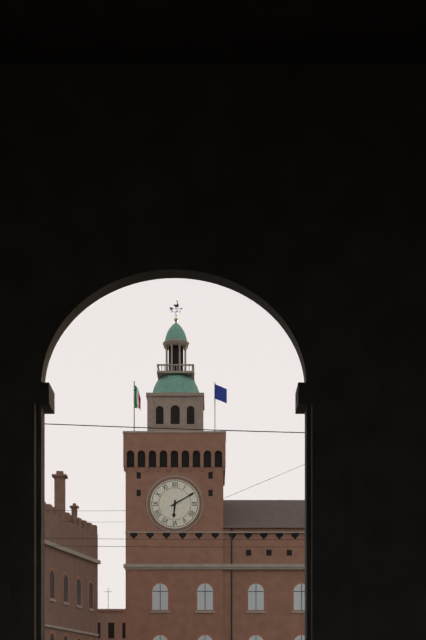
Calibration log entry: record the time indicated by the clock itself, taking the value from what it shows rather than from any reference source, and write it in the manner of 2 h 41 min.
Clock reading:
6 h 10 min
